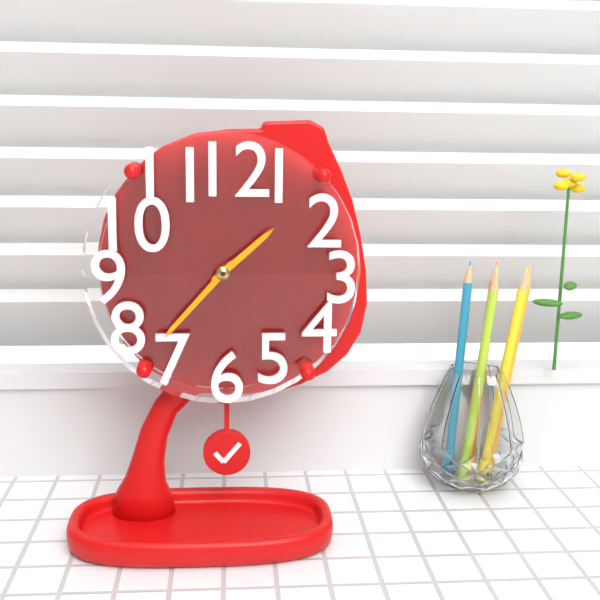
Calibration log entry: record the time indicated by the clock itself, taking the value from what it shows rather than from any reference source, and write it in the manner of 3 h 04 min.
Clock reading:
1 h 37 min
